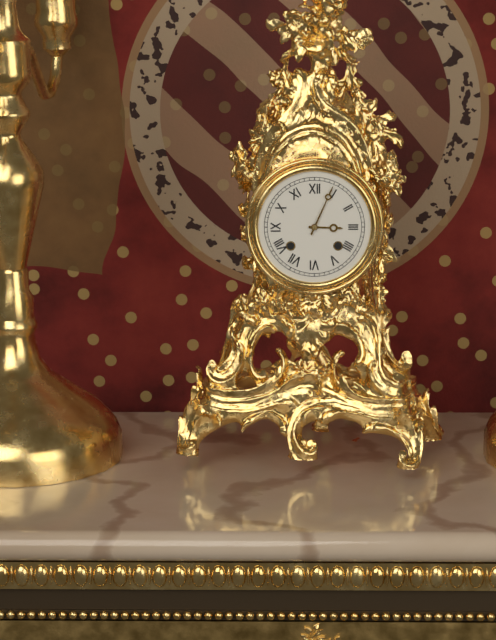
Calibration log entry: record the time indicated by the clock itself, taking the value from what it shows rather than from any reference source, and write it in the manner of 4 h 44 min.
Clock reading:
3 h 04 min
